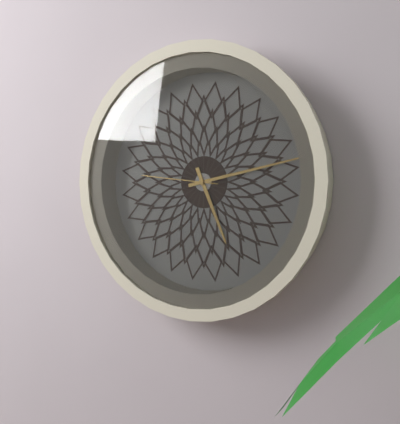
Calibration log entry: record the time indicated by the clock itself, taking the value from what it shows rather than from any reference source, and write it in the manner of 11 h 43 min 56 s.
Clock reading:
5 h 13 min 46 s
